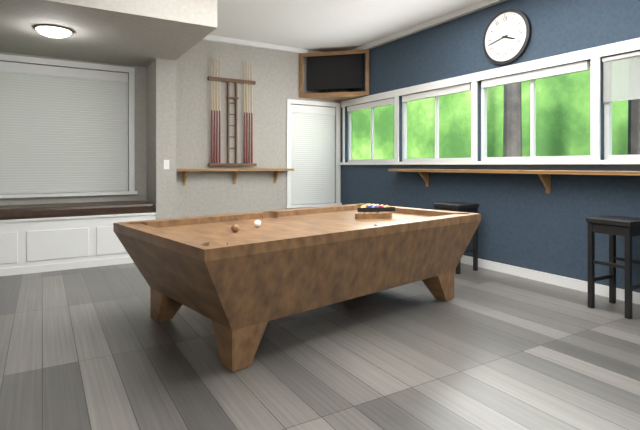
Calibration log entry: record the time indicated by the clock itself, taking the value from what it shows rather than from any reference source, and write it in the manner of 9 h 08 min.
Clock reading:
3 h 43 min
